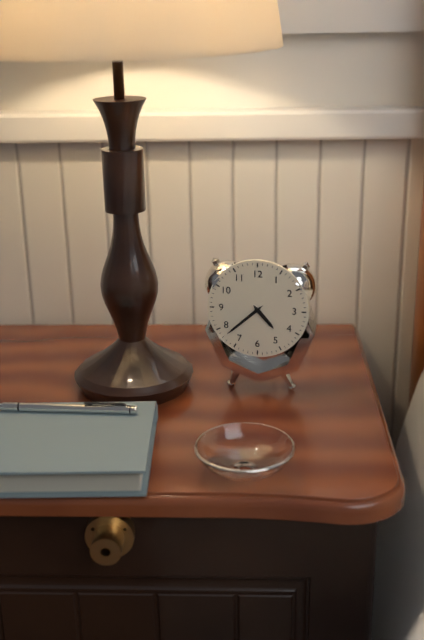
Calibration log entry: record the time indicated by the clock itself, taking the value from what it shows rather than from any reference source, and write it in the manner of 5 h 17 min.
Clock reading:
4 h 38 min
